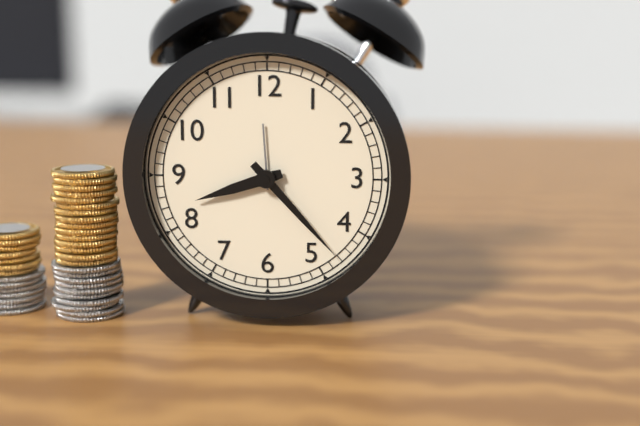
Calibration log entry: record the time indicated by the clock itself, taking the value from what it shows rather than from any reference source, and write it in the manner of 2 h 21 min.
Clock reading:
8 h 23 min
